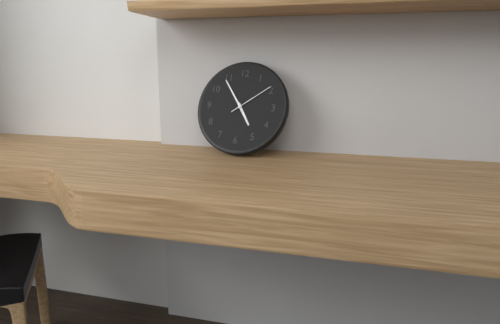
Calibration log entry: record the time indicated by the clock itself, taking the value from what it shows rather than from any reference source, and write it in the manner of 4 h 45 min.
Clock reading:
4 h 54 min
